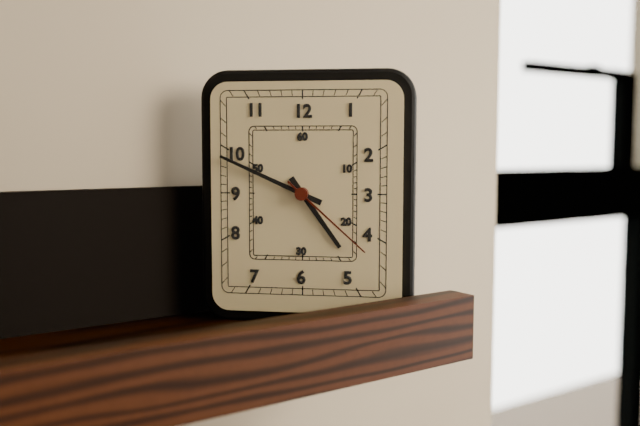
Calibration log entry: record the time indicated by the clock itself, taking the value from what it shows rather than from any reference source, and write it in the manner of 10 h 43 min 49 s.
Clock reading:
4 h 49 min 22 s
